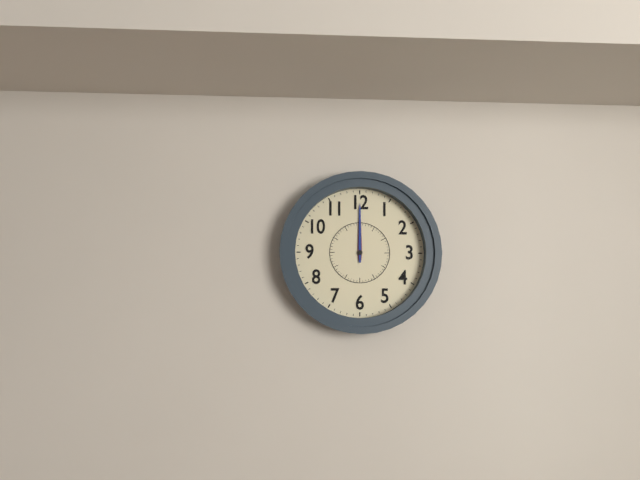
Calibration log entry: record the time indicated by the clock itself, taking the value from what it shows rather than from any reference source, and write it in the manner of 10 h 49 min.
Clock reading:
12 h 00 min
